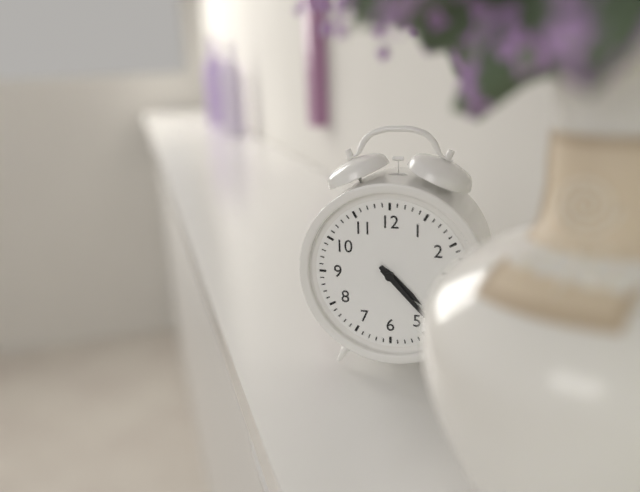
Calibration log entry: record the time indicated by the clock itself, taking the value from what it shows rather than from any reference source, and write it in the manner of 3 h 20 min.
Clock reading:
4 h 23 min
